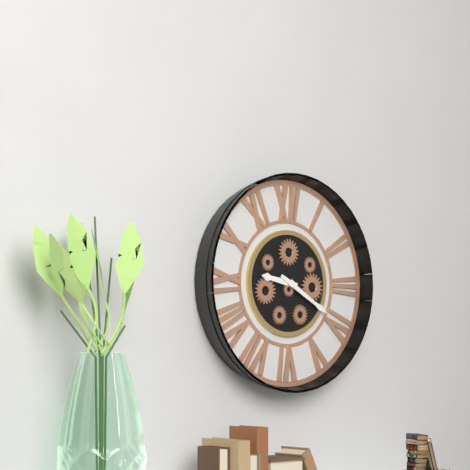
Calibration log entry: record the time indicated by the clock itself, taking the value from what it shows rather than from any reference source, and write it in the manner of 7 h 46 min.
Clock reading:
9 h 20 min
